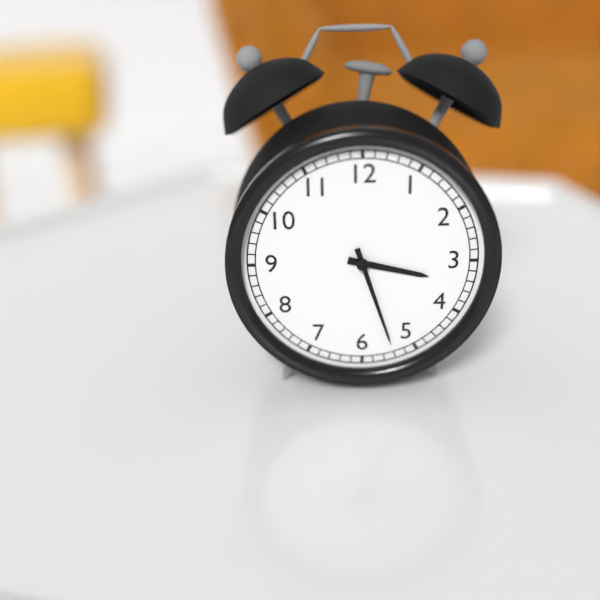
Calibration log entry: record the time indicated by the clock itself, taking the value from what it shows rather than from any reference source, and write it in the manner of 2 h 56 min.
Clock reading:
3 h 27 min
